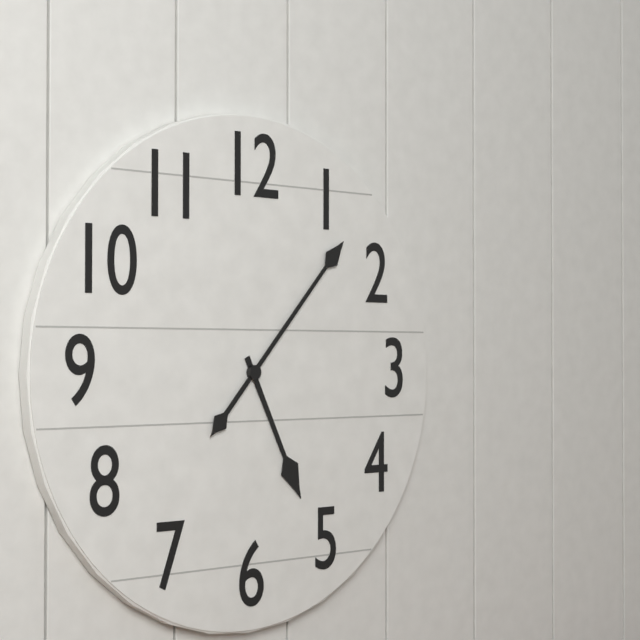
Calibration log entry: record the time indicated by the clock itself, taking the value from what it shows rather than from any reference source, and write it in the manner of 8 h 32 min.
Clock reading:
5 h 07 min
